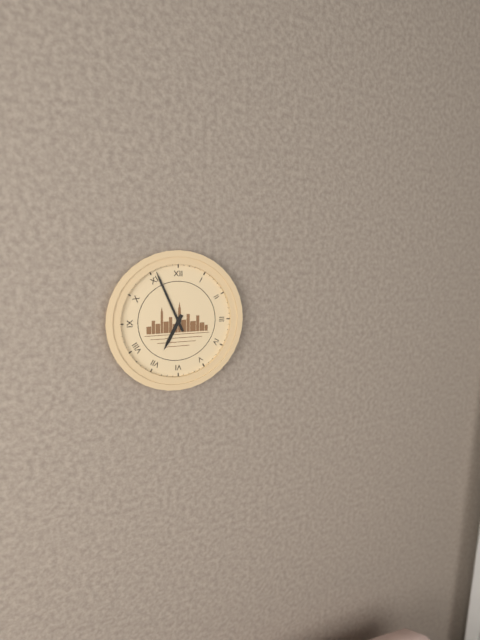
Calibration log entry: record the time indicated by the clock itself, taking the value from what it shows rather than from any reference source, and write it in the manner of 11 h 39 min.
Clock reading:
6 h 56 min
